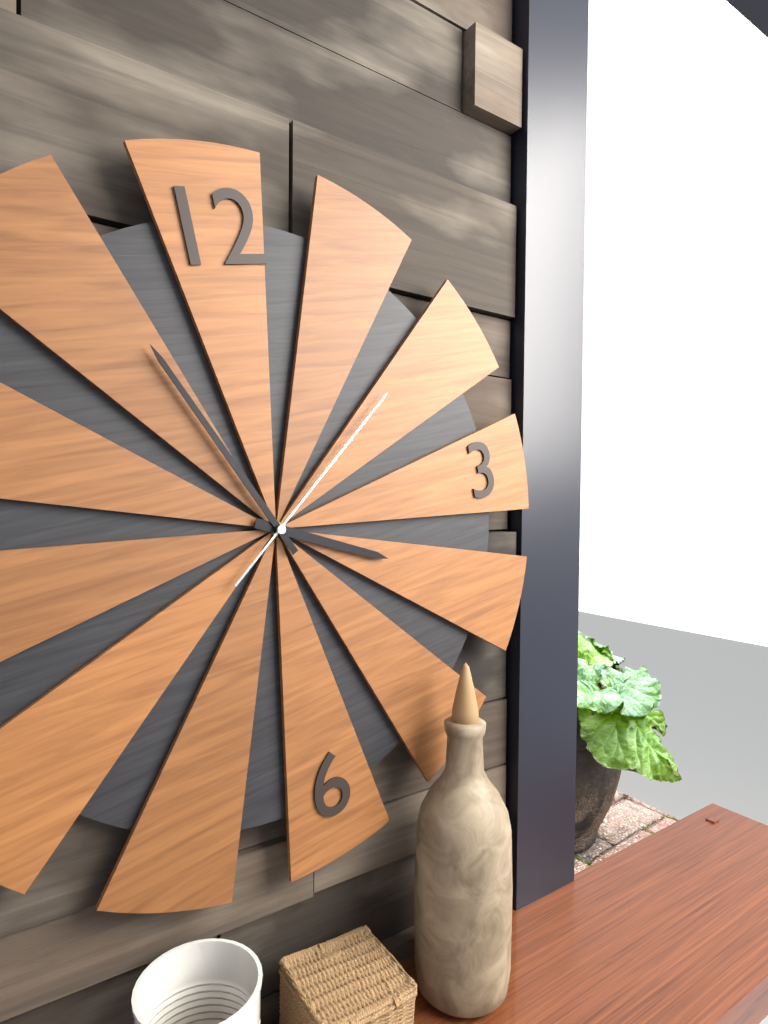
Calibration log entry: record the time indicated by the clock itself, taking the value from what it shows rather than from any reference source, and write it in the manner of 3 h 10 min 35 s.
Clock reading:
3 h 56 min 09 s
